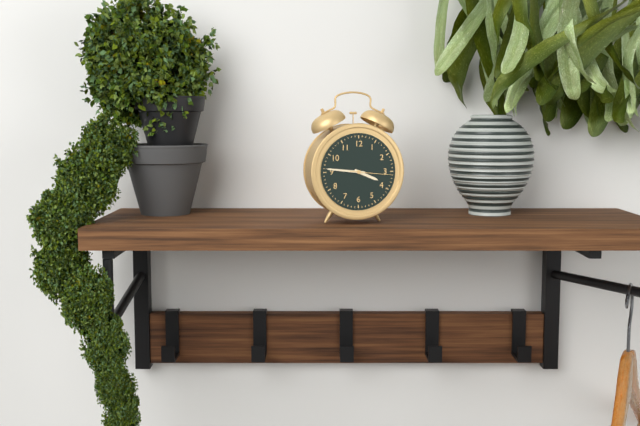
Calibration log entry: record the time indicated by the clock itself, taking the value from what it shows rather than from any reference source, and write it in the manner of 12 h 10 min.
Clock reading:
3 h 46 min
